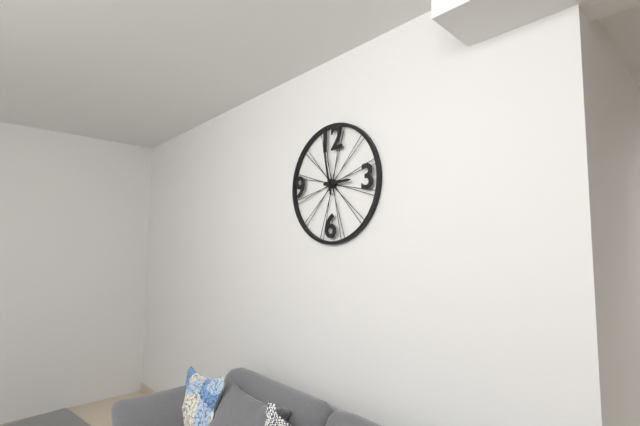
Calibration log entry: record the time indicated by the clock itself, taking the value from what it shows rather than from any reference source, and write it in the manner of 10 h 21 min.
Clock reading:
2 h 58 min
